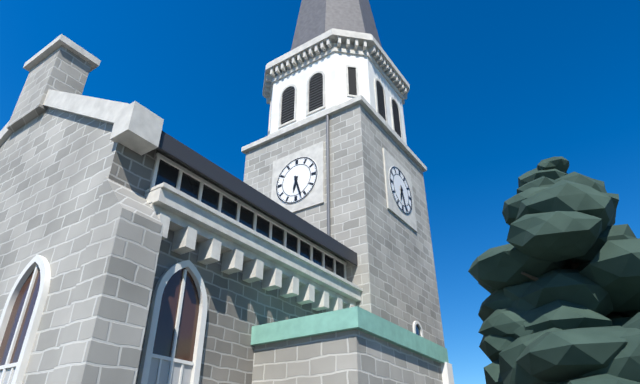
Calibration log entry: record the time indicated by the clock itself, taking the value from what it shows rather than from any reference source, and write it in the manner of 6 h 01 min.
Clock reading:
6 h 27 min
